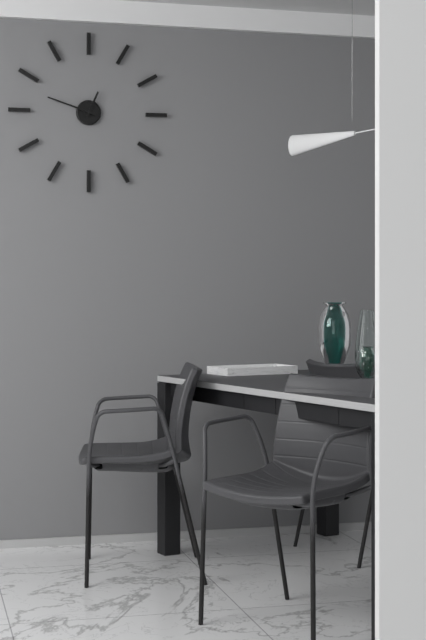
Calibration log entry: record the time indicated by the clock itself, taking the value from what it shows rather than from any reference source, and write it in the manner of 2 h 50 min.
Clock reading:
12 h 48 min
